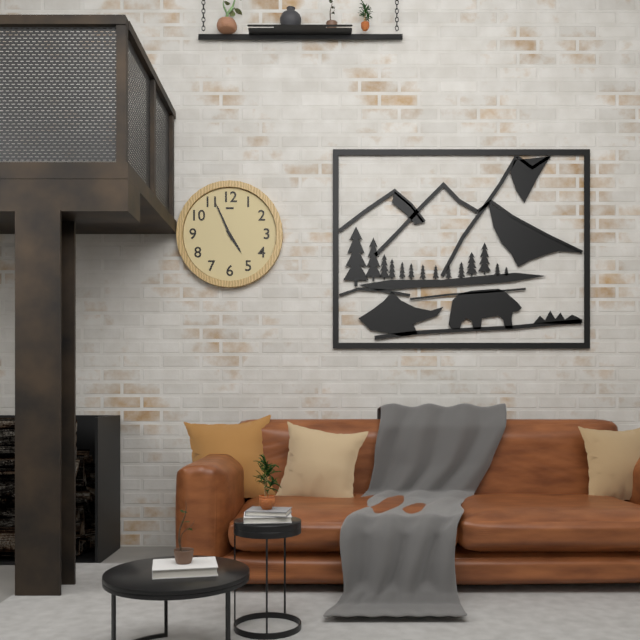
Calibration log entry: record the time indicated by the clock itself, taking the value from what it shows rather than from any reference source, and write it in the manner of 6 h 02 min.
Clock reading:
4 h 56 min
